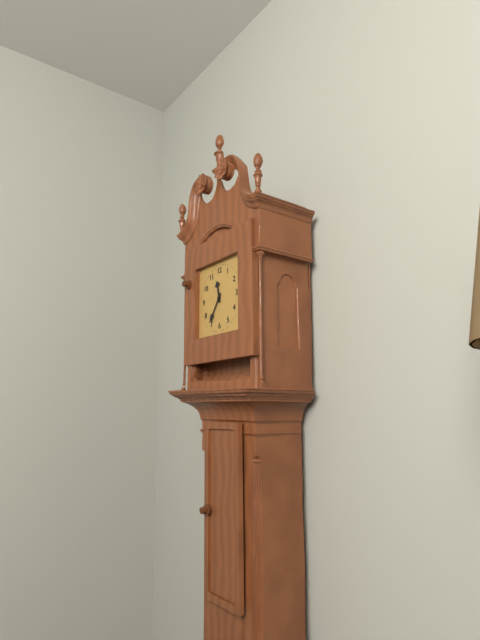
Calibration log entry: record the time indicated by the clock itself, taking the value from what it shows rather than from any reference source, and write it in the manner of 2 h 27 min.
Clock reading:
11 h 36 min
